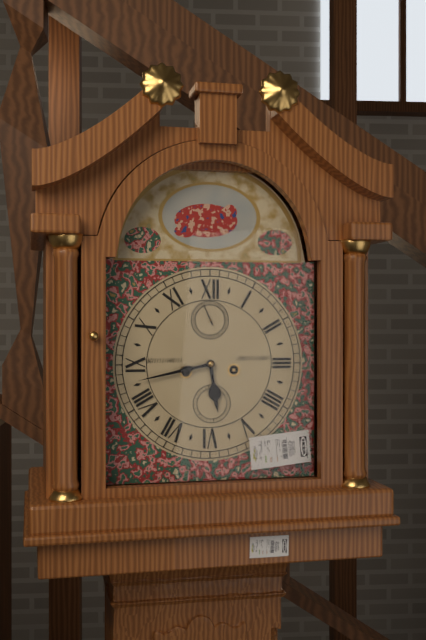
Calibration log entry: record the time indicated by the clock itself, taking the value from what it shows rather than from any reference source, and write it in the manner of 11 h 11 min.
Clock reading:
5 h 43 min
